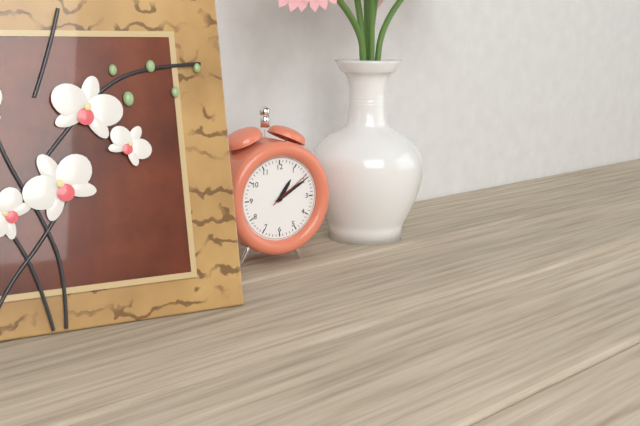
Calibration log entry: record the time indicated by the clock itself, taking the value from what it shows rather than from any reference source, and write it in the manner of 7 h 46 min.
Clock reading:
1 h 10 min
